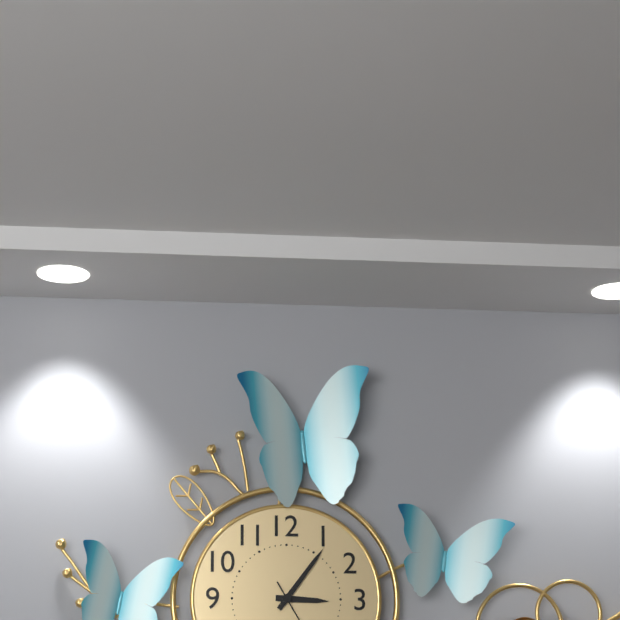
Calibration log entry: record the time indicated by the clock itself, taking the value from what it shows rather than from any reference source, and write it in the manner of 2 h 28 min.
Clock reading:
3 h 06 min
